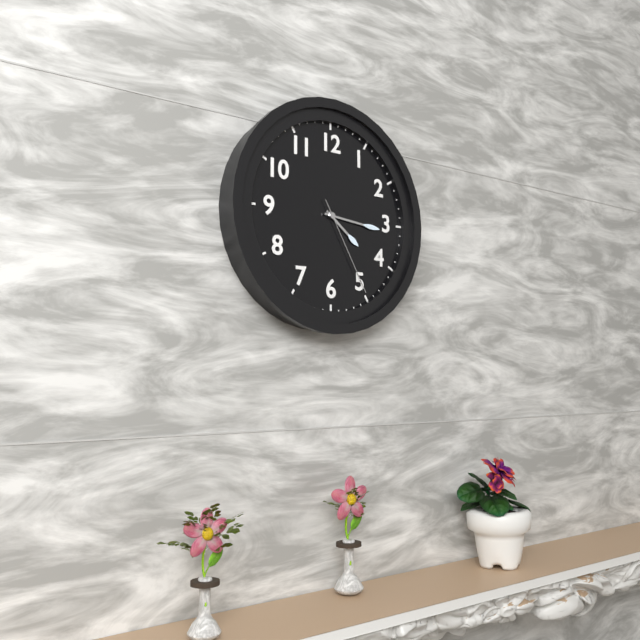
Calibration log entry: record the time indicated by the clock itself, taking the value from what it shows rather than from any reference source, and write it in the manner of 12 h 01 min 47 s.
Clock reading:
4 h 16 min 25 s
